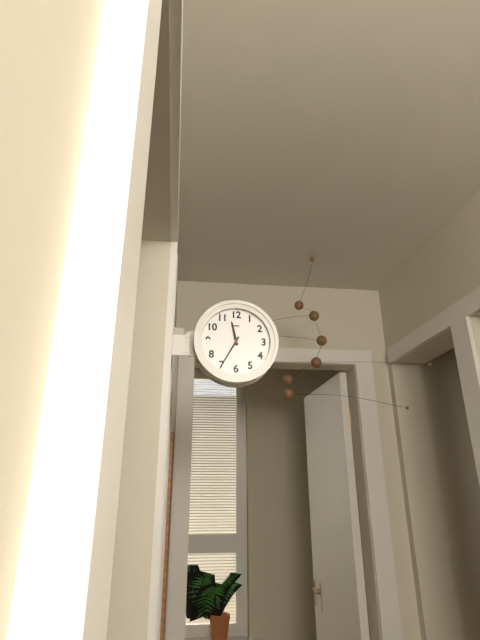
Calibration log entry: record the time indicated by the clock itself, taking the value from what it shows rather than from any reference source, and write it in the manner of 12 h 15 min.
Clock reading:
11 h 35 min
